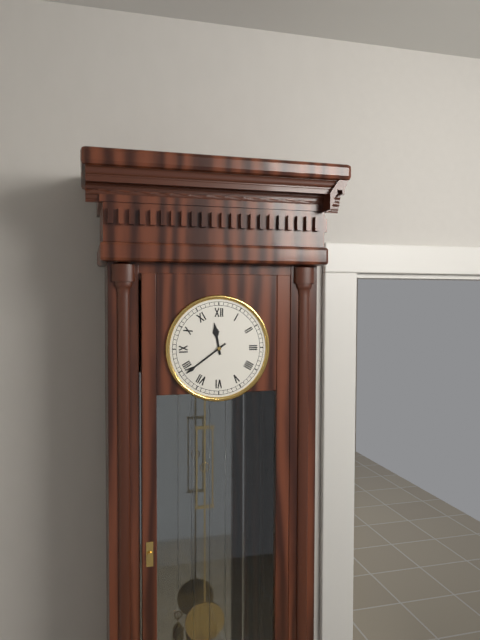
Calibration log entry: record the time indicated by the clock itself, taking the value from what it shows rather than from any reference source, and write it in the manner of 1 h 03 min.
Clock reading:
11 h 39 min
